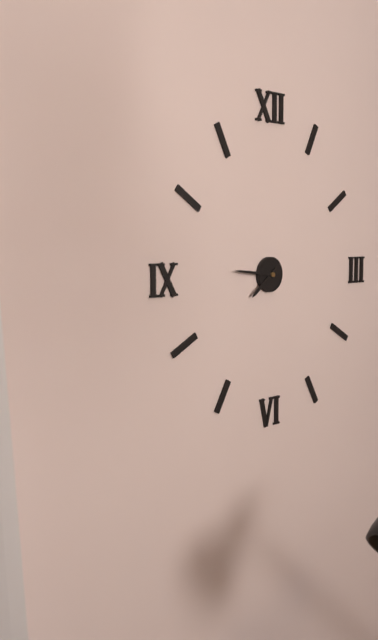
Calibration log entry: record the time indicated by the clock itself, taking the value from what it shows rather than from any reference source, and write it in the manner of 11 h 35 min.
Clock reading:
7 h 46 min
